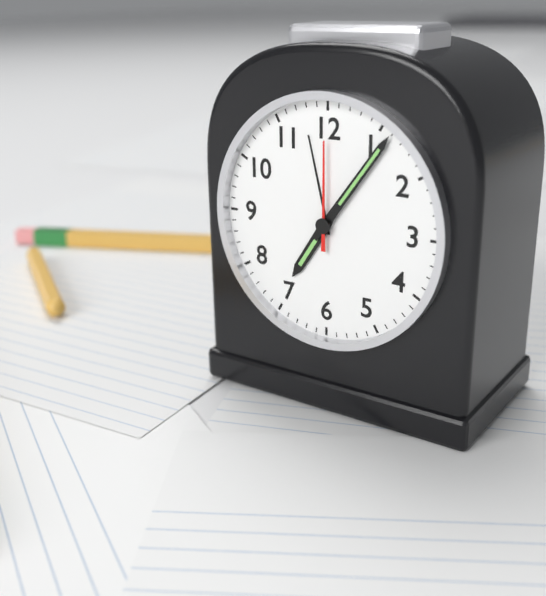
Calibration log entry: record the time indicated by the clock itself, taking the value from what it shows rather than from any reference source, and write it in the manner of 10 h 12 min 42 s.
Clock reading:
7 h 06 min 00 s
